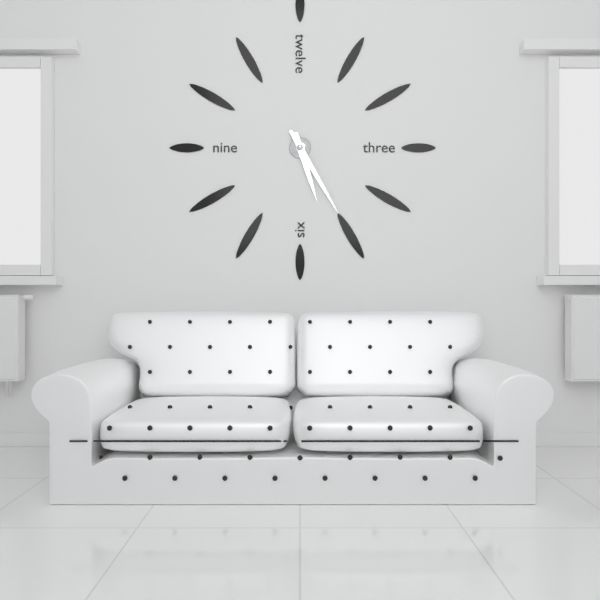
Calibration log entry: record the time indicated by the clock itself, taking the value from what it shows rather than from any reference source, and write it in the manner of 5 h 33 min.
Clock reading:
5 h 25 min
